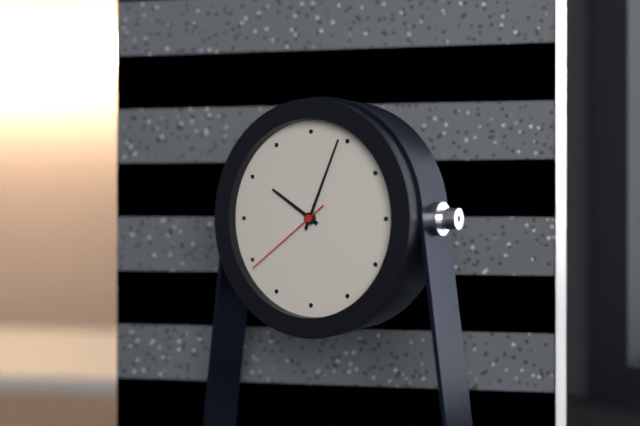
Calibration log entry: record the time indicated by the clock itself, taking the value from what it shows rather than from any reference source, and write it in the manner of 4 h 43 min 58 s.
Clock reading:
10 h 04 min 39 s
